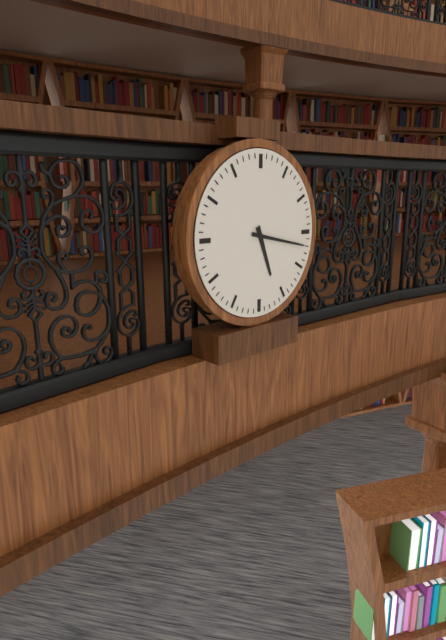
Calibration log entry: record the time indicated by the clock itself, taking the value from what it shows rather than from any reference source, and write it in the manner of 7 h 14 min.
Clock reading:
5 h 17 min
